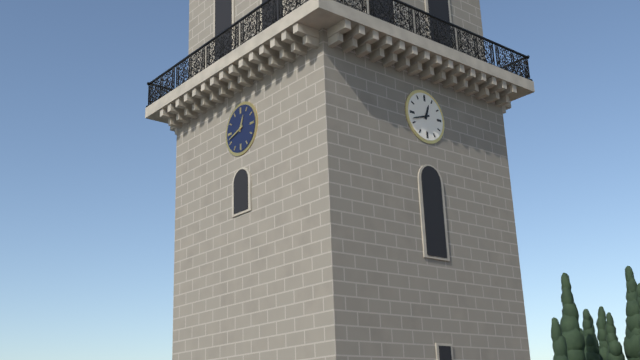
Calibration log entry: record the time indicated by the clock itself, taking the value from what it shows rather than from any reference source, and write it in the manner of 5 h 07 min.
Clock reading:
12 h 42 min
